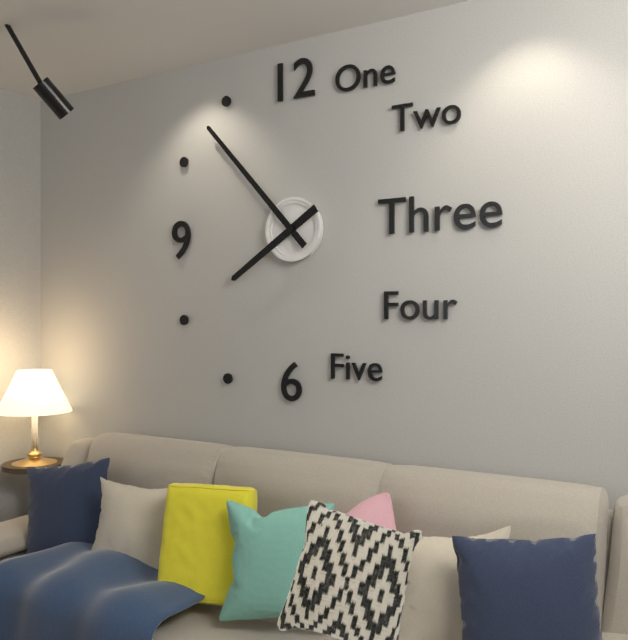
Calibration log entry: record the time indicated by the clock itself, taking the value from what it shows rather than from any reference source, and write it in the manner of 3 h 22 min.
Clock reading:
7 h 53 min
